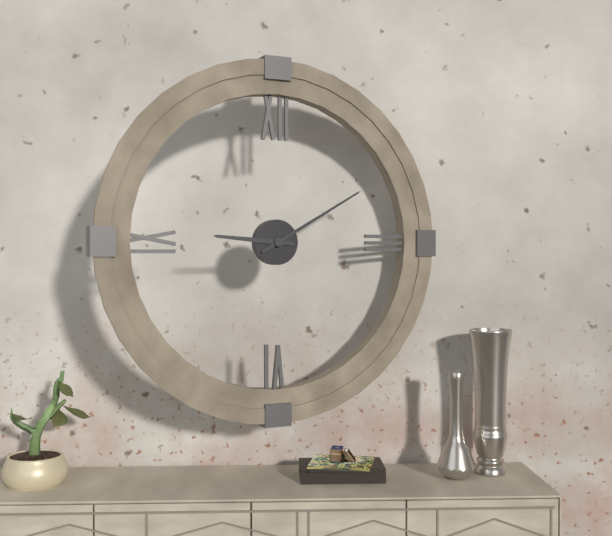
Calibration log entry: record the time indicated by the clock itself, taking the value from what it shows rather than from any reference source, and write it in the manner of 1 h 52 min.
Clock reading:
9 h 10 min
